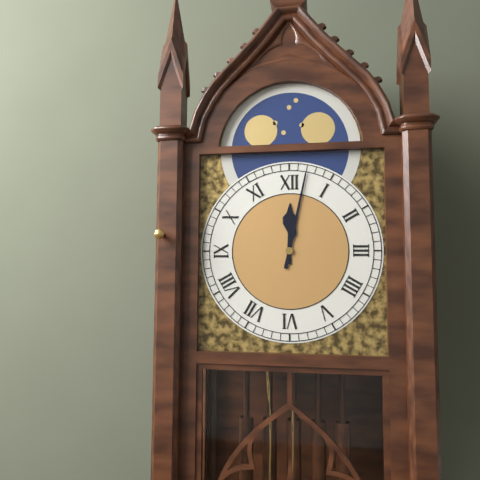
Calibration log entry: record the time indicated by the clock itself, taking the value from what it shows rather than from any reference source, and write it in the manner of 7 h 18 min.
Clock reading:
12 h 02 min
